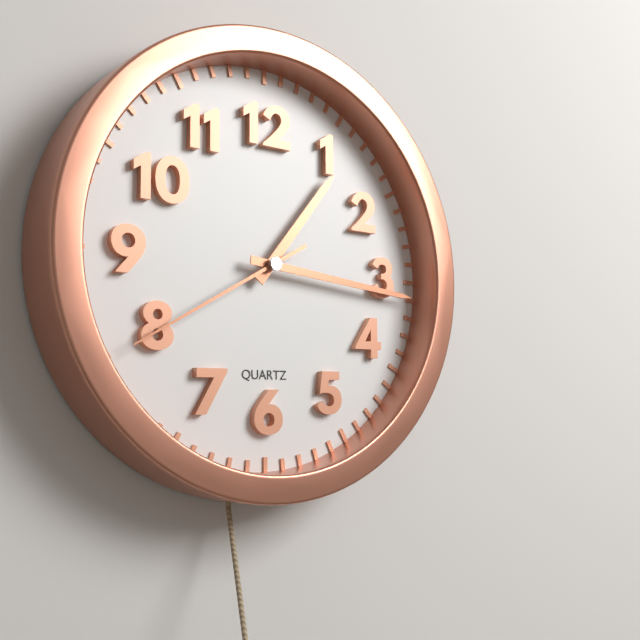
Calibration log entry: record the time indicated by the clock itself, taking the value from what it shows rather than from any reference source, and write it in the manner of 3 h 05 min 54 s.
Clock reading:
1 h 16 min 40 s
